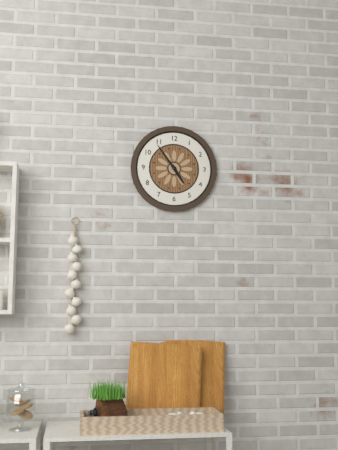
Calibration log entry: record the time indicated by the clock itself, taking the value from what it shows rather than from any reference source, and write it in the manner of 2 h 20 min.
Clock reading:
4 h 54 min
